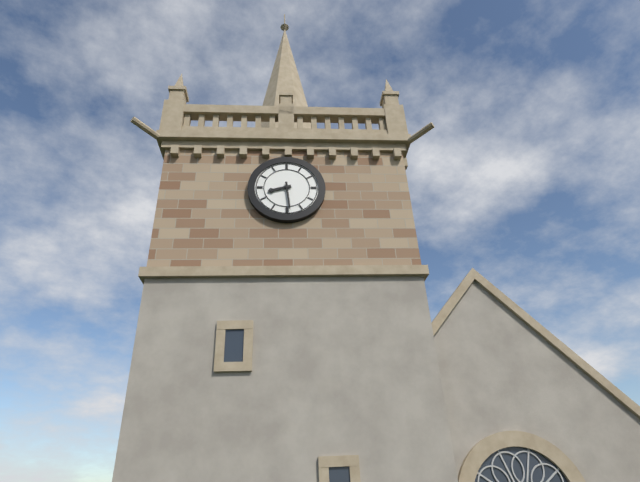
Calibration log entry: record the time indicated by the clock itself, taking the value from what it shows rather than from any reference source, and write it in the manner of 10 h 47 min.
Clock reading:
8 h 29 min
